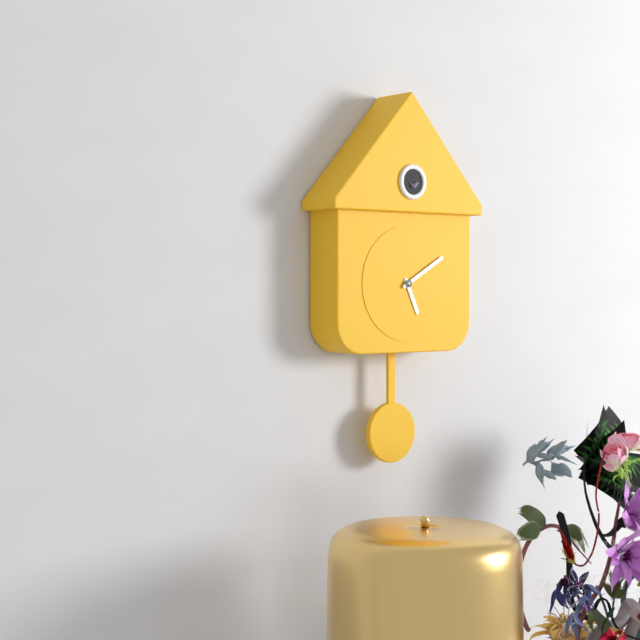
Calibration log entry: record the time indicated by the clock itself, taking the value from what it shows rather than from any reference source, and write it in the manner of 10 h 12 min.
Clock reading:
5 h 10 min
